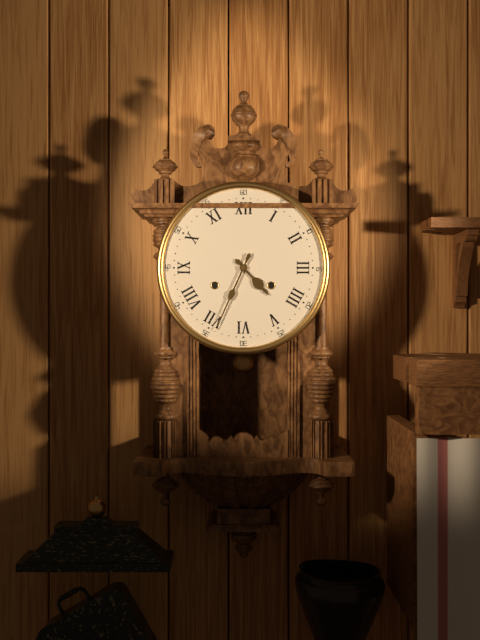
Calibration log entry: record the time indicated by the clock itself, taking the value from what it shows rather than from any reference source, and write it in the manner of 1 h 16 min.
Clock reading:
4 h 34 min
